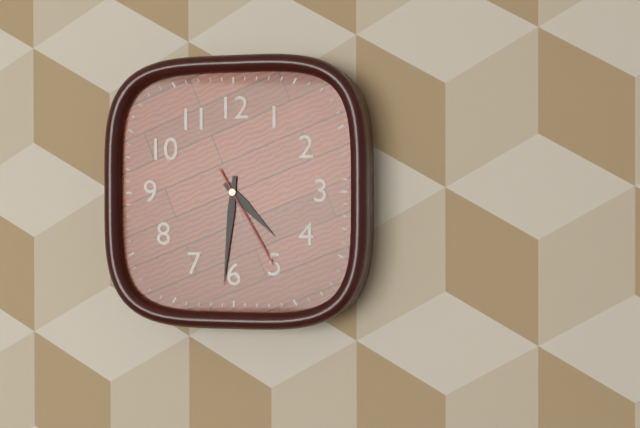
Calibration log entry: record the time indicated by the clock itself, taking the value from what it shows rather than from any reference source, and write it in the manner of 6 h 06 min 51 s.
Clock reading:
4 h 31 min 25 s
